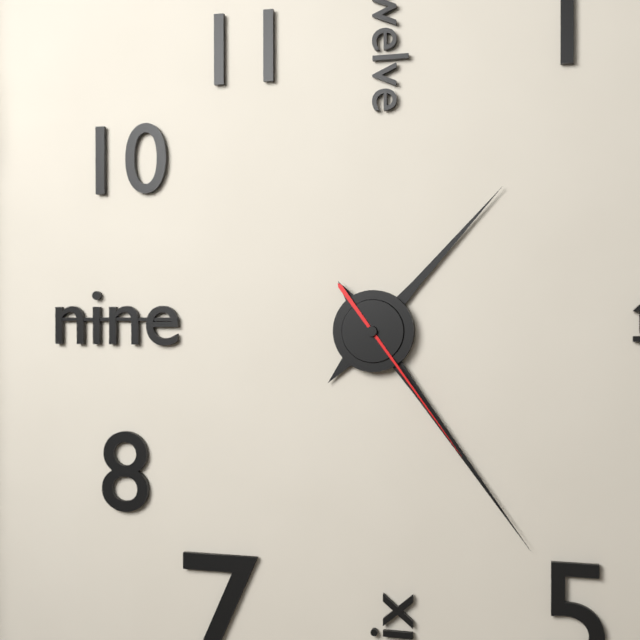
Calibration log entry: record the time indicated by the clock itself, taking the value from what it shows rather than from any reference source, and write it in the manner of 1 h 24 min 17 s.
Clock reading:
1 h 24 min 24 s
